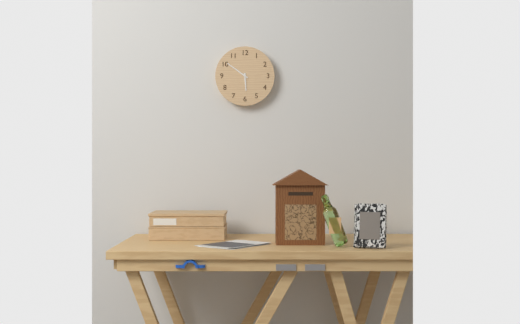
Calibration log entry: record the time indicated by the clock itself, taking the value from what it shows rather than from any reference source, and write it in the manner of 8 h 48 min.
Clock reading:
5 h 51 min
